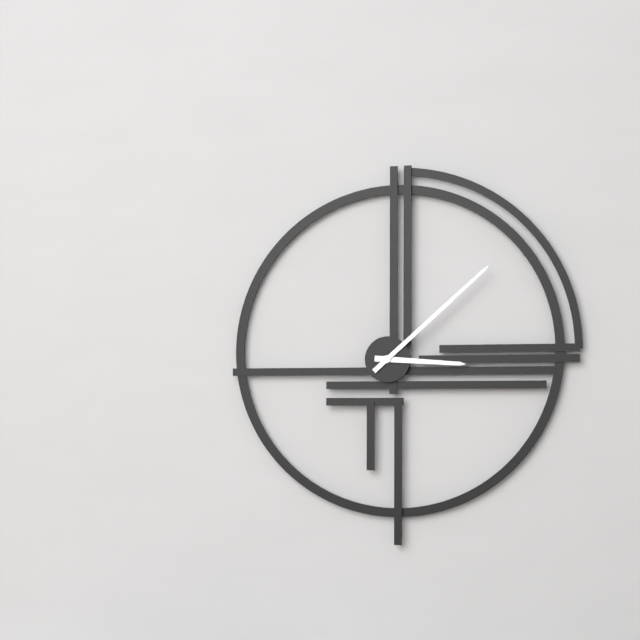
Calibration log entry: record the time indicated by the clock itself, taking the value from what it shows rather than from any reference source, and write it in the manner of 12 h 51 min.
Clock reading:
3 h 08 min
